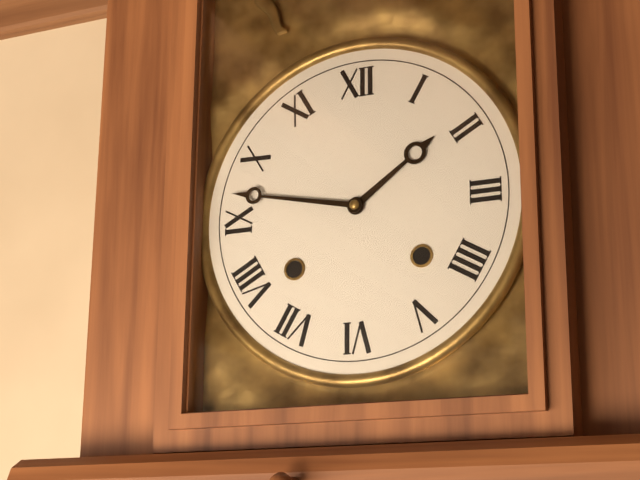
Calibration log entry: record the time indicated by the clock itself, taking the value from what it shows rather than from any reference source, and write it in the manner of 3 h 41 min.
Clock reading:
1 h 47 min
